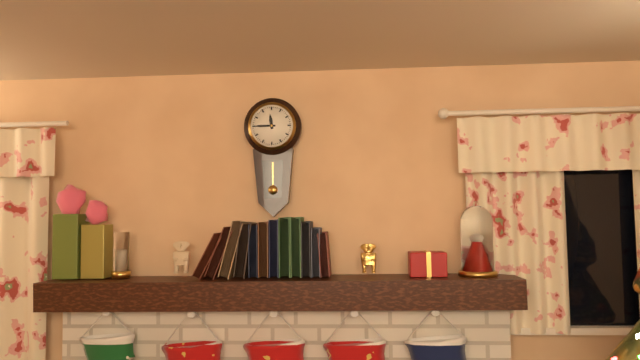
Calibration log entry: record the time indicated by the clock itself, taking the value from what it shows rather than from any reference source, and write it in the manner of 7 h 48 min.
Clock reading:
11 h 45 min
